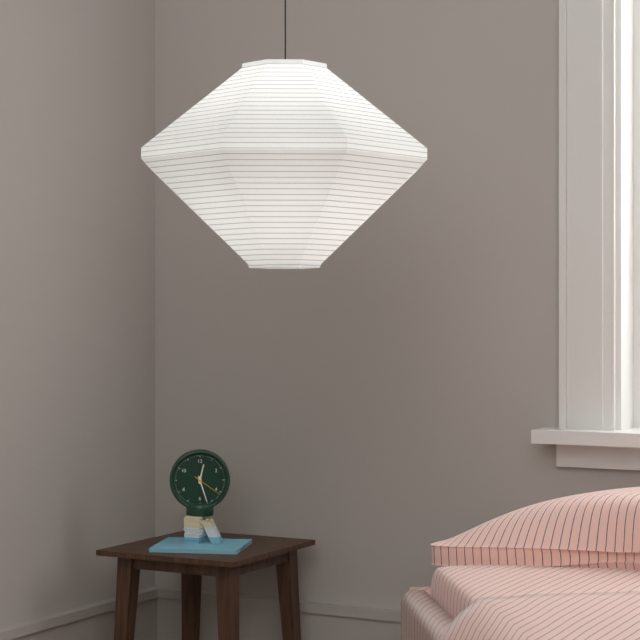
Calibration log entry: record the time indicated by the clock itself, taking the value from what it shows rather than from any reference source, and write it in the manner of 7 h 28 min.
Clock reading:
12 h 27 min
